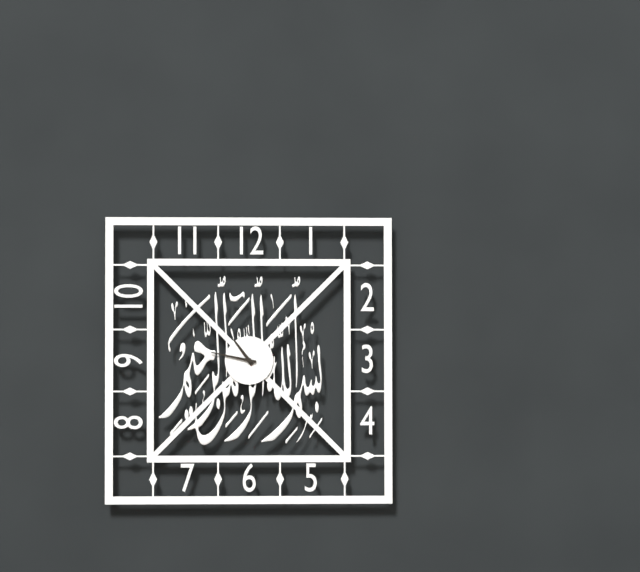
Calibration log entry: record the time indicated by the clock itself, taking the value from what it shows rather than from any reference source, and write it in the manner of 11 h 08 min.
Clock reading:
10 h 47 min
